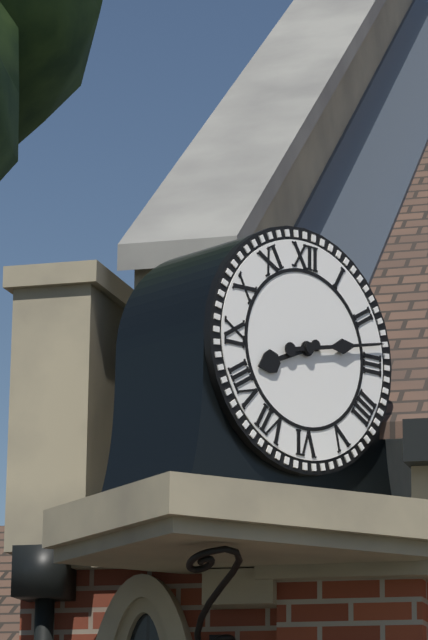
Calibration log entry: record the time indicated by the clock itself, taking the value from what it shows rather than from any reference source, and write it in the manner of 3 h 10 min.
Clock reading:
8 h 13 min
